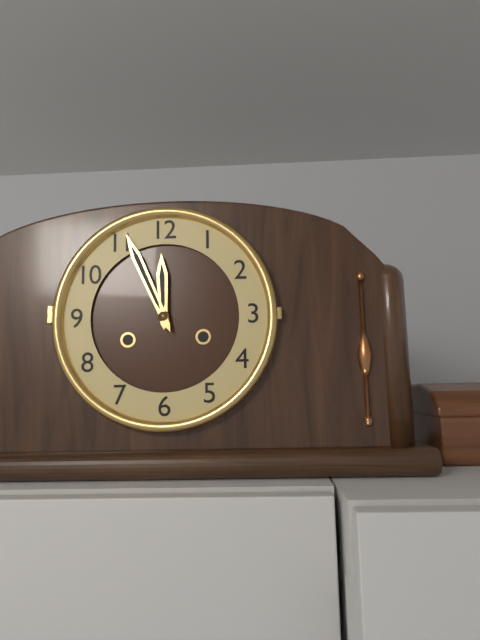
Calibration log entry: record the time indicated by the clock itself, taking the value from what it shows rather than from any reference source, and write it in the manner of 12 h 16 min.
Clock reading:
11 h 56 min
